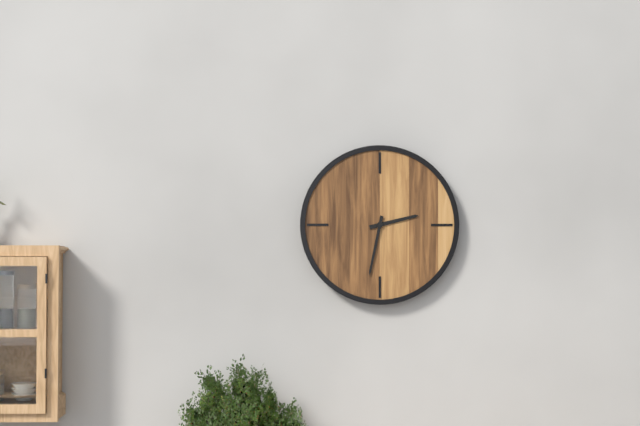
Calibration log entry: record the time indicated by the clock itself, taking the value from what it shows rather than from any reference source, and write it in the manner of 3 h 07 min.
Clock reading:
2 h 32 min
